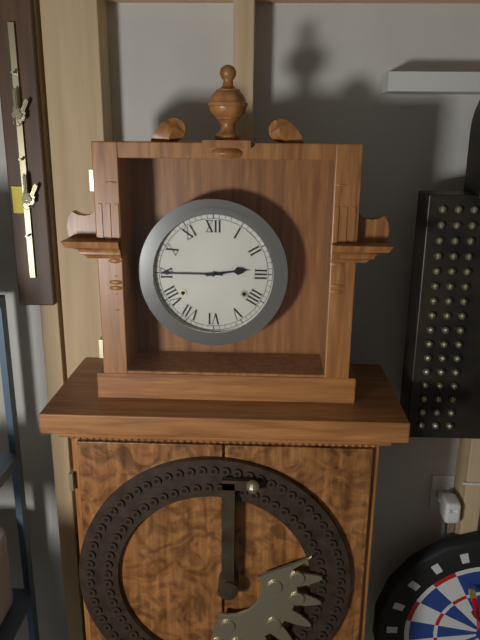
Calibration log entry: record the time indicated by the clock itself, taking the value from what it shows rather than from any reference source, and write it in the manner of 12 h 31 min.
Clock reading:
2 h 45 min
